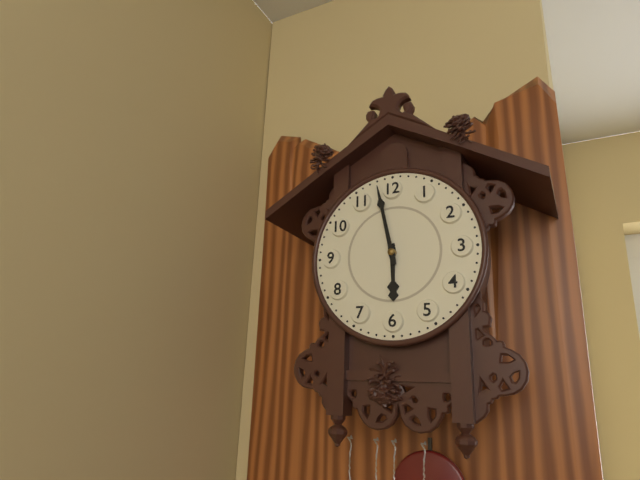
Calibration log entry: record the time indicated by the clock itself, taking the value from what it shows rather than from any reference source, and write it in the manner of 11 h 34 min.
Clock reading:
5 h 58 min
